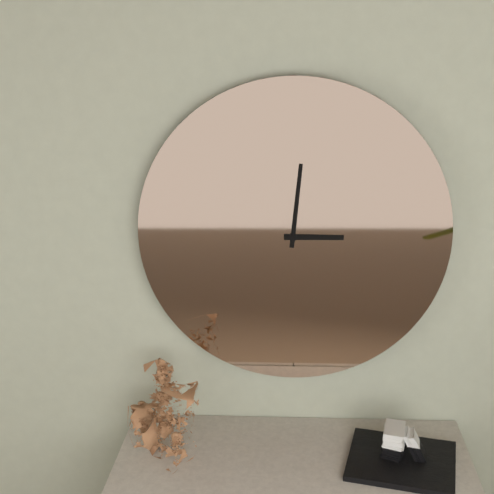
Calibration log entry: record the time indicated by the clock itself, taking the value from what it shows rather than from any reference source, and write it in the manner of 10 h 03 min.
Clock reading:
3 h 01 min
